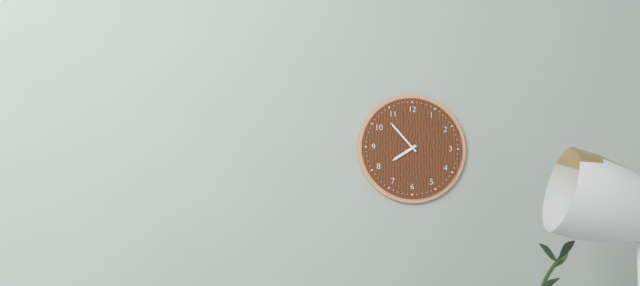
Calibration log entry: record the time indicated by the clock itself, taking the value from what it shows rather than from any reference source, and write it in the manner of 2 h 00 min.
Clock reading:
7 h 53 min
